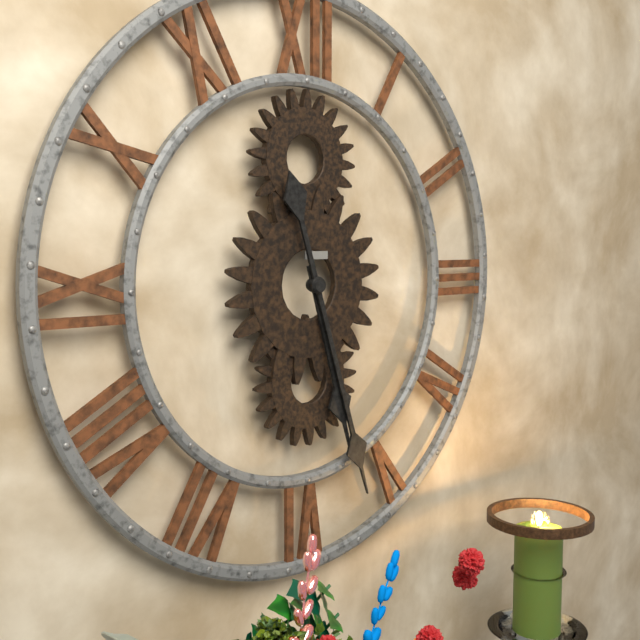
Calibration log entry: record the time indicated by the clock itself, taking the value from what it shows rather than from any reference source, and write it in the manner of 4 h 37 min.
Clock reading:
5 h 27 min
